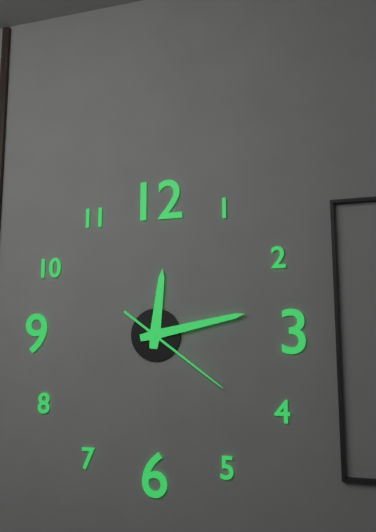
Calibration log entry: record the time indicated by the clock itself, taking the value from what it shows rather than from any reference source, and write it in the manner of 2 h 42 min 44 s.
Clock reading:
12 h 13 min 21 s
